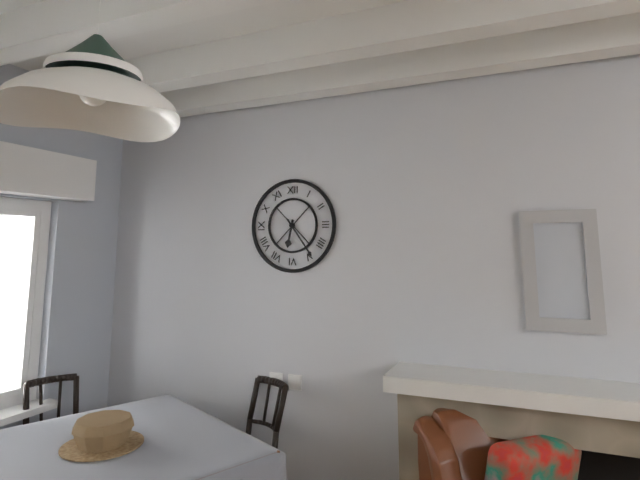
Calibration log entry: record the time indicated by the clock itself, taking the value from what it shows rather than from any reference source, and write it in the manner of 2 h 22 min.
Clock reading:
6 h 24 min
